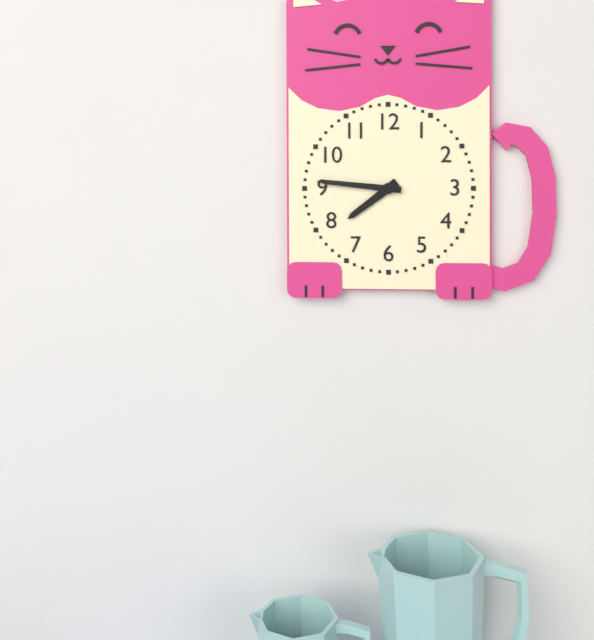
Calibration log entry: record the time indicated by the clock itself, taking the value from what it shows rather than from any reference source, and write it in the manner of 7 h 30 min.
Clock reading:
7 h 46 min
